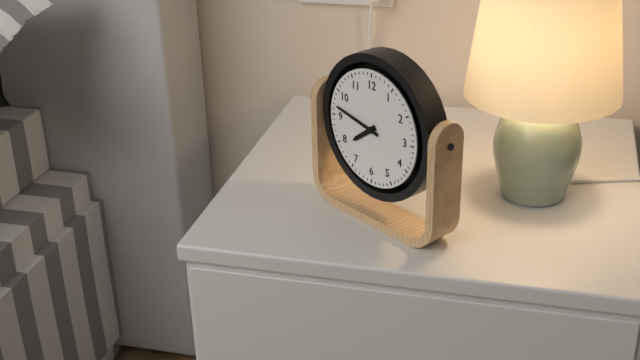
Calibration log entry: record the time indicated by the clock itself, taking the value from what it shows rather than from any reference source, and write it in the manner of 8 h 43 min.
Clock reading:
7 h 47 min
